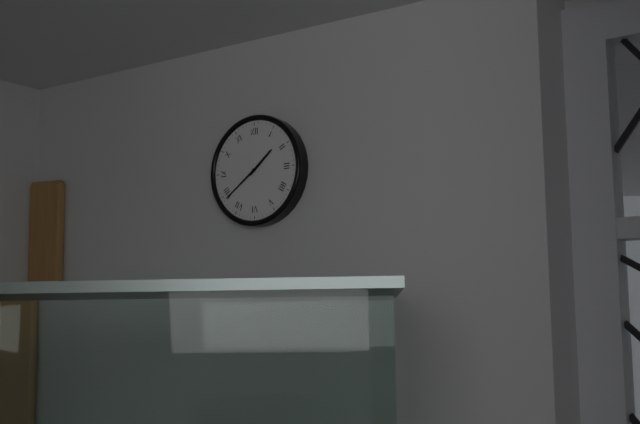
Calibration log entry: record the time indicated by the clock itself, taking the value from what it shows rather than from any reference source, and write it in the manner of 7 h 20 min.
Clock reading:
1 h 39 min
